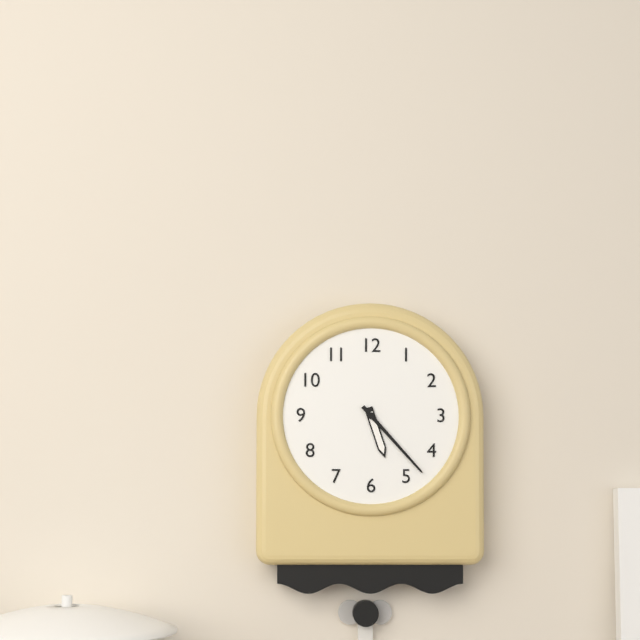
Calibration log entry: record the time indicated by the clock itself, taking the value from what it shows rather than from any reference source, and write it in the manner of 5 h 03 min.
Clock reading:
5 h 23 min
